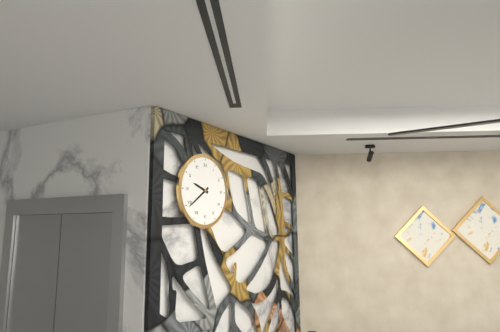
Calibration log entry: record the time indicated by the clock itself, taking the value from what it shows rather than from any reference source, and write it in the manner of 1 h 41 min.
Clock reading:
9 h 39 min
